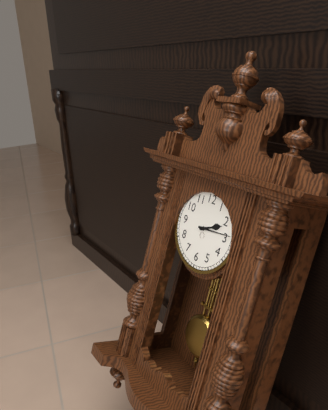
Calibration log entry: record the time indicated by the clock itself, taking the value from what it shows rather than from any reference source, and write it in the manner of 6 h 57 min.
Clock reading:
2 h 14 min
